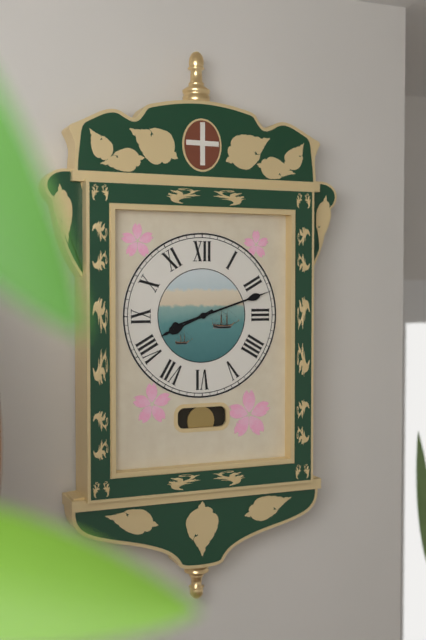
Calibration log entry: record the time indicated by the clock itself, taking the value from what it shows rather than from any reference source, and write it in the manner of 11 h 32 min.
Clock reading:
8 h 12 min
